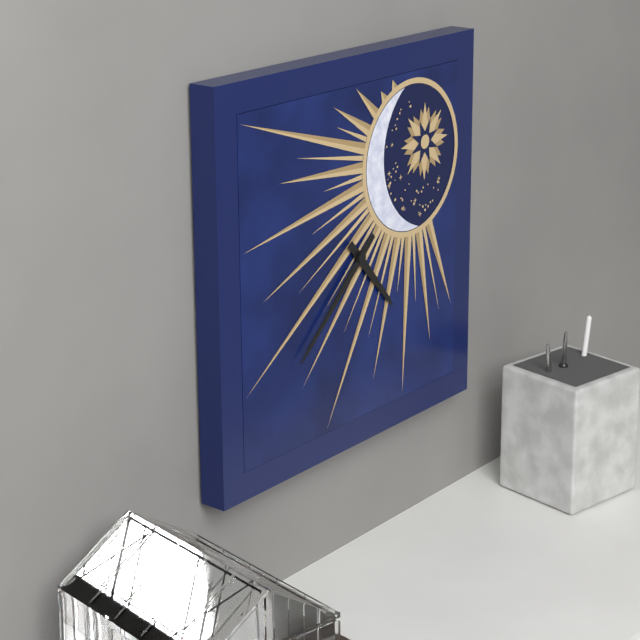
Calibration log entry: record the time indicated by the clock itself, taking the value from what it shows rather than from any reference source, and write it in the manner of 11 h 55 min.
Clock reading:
4 h 38 min
